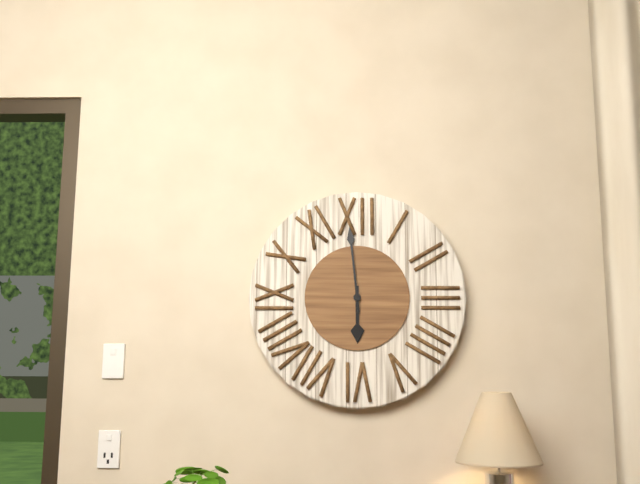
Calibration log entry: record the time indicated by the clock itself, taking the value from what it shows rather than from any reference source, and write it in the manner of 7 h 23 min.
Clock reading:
5 h 59 min
